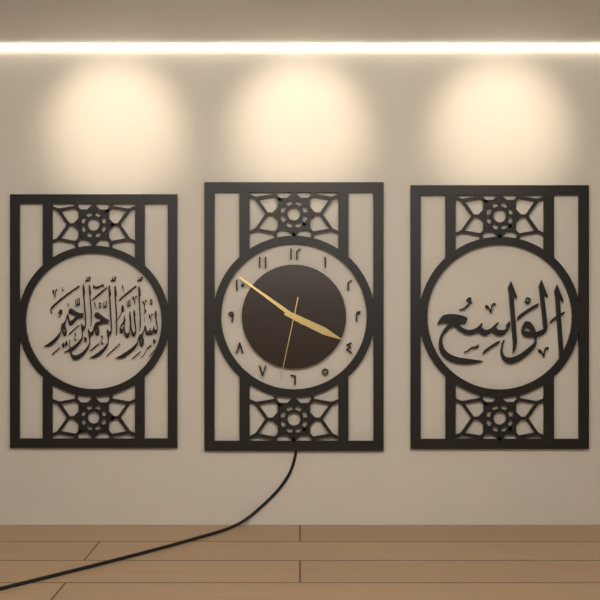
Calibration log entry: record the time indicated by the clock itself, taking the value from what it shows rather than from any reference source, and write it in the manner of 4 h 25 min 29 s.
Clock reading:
3 h 51 min 32 s
